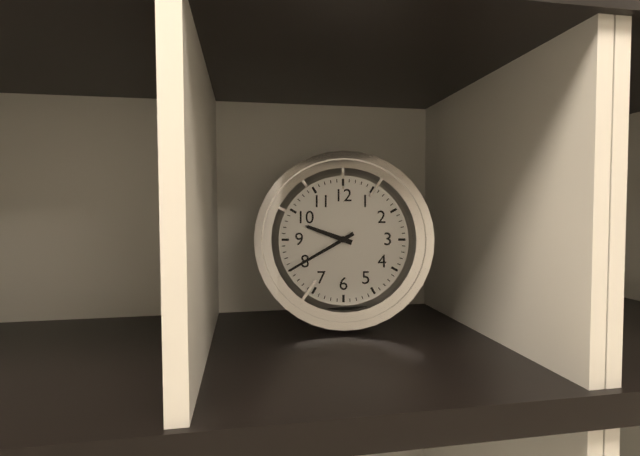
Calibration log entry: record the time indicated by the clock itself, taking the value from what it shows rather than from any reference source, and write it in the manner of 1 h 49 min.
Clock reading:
9 h 40 min
